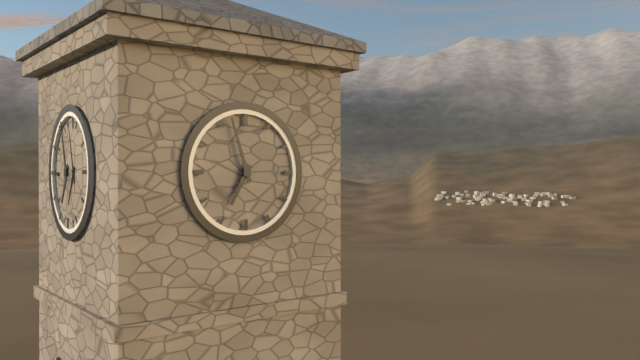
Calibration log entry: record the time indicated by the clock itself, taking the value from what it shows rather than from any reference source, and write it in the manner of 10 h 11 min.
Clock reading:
6 h 57 min
